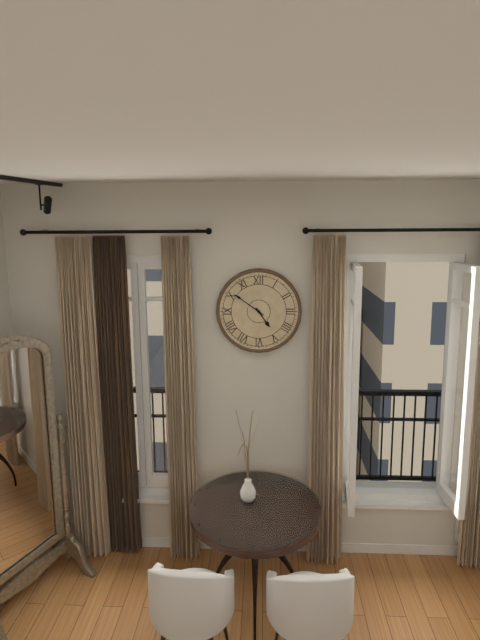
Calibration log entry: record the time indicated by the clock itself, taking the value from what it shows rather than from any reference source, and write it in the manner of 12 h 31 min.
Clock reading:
4 h 51 min
